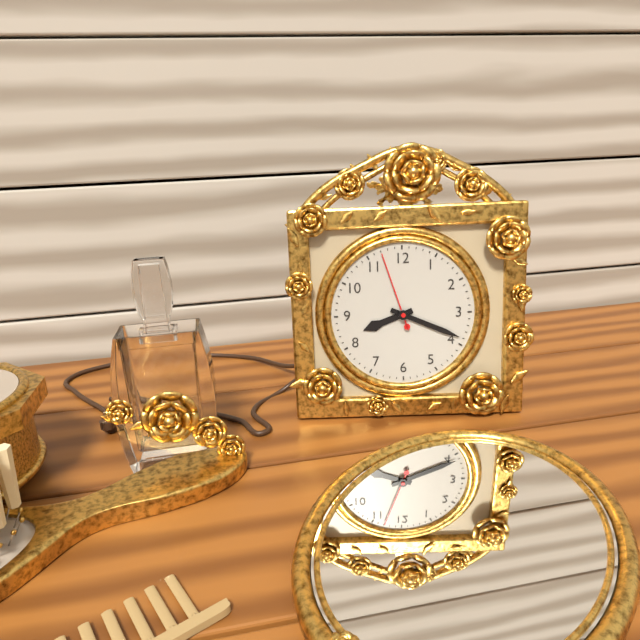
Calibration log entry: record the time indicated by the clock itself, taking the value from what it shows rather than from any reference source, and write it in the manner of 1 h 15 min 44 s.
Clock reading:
8 h 19 min 57 s
